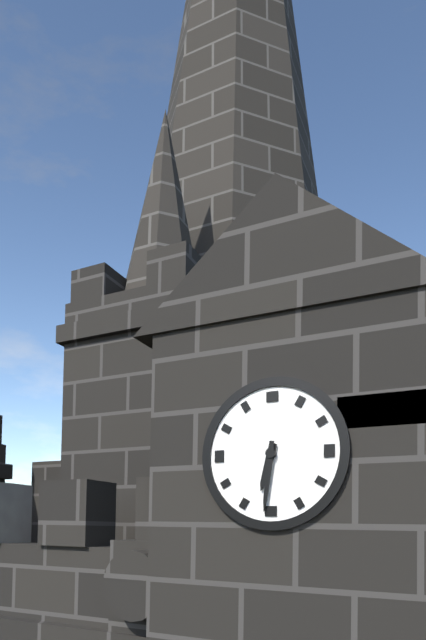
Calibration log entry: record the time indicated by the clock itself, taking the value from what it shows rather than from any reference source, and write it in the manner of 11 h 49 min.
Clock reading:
6 h 31 min
